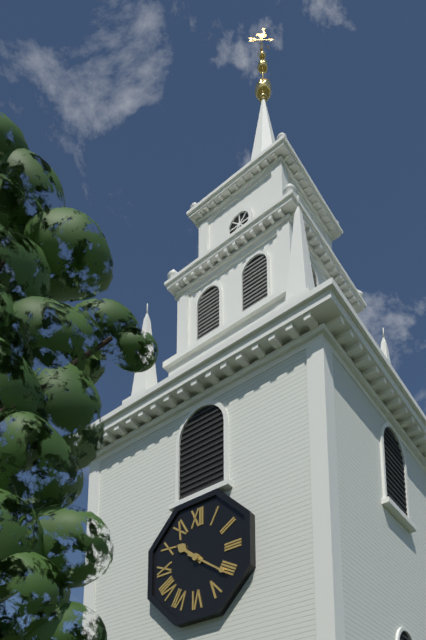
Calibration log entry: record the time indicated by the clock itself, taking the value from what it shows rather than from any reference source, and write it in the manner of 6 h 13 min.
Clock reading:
10 h 21 min
